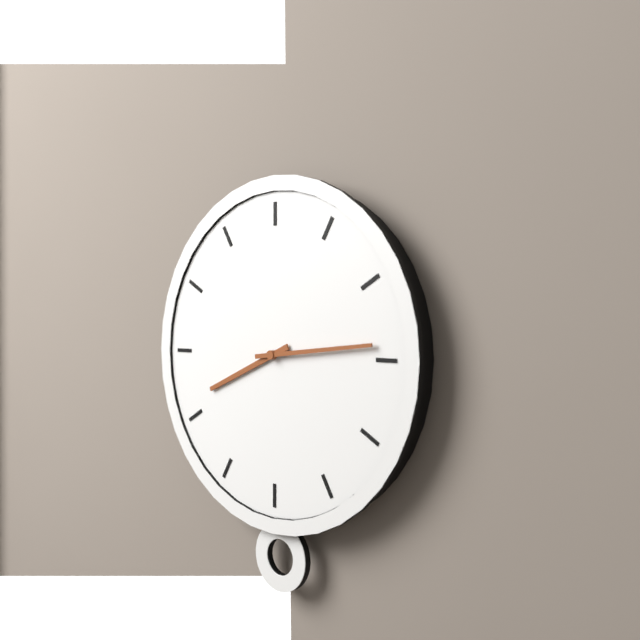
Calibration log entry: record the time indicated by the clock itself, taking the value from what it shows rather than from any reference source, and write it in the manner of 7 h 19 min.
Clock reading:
8 h 14 min
